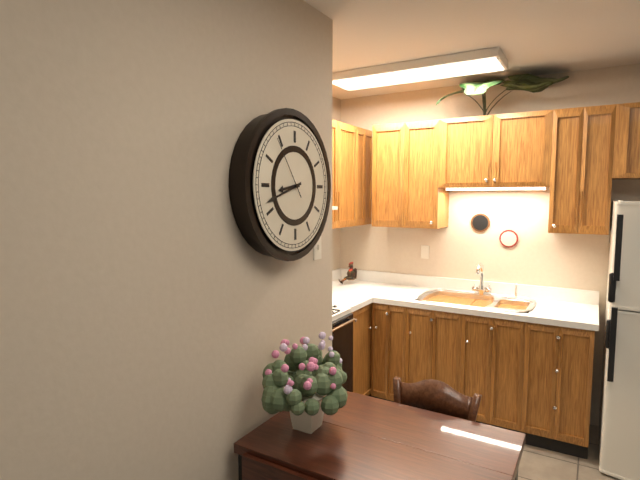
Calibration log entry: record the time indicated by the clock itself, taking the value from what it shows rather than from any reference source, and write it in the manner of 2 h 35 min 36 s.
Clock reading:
8 h 42 min 54 s
